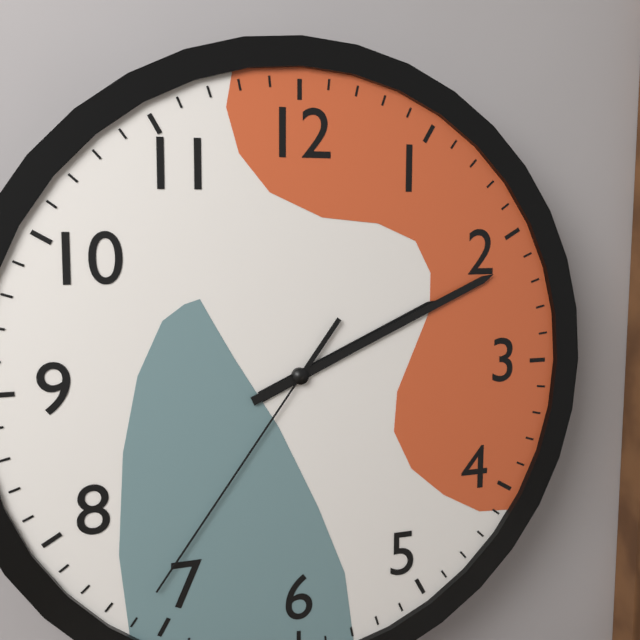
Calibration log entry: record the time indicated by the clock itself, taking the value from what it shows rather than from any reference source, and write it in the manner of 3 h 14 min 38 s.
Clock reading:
2 h 11 min 36 s
